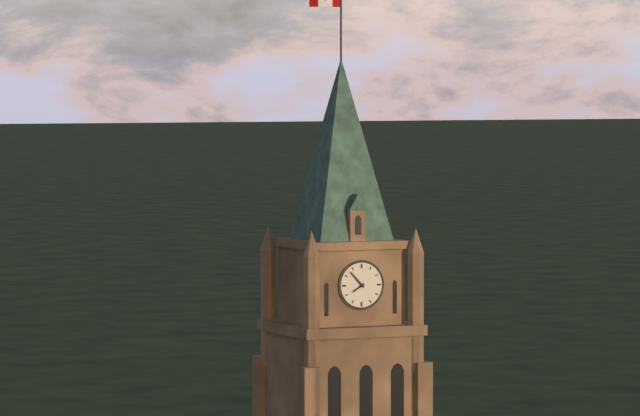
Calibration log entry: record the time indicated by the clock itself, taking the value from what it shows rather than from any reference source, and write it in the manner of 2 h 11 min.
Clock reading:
7 h 53 min
